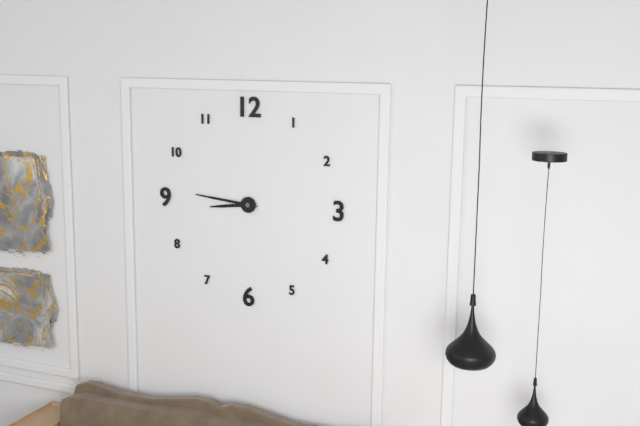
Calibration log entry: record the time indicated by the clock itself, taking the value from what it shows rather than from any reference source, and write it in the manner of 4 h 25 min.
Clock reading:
8 h 46 min
